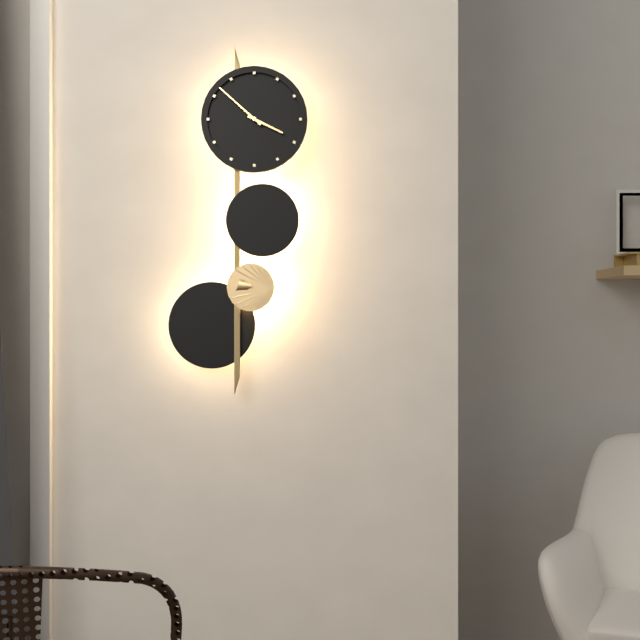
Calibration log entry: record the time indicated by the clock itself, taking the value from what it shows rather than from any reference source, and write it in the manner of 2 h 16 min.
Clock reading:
3 h 52 min
